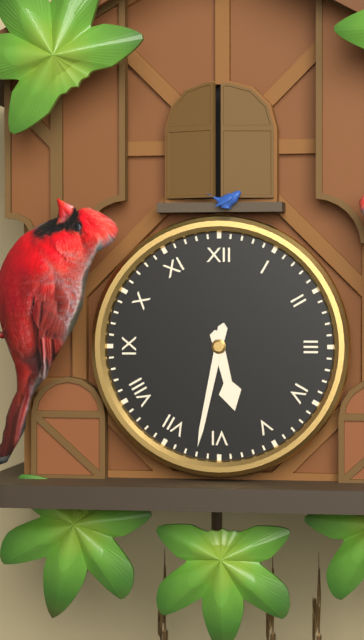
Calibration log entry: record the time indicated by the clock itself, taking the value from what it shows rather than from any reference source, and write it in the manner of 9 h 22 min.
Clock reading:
5 h 32 min
